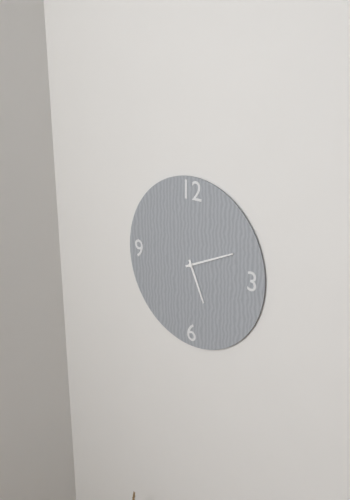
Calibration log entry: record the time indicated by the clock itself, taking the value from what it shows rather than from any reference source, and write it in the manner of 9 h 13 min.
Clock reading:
5 h 11 min
